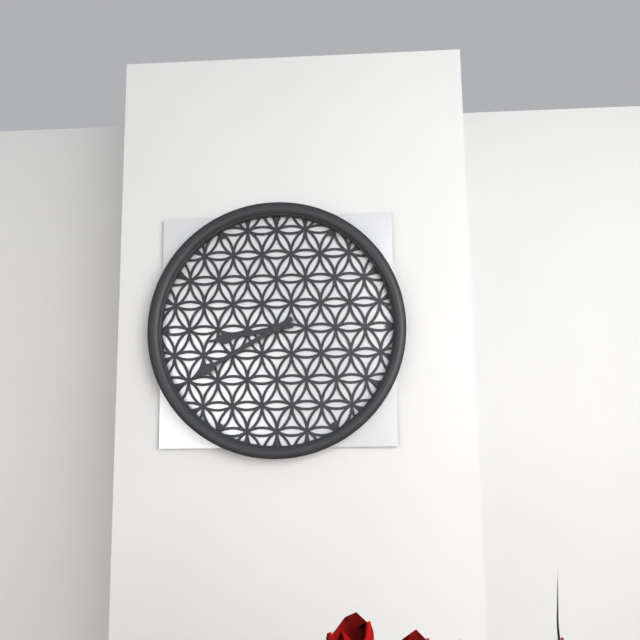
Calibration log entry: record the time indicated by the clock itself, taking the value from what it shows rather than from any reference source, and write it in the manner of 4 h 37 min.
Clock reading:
8 h 40 min
